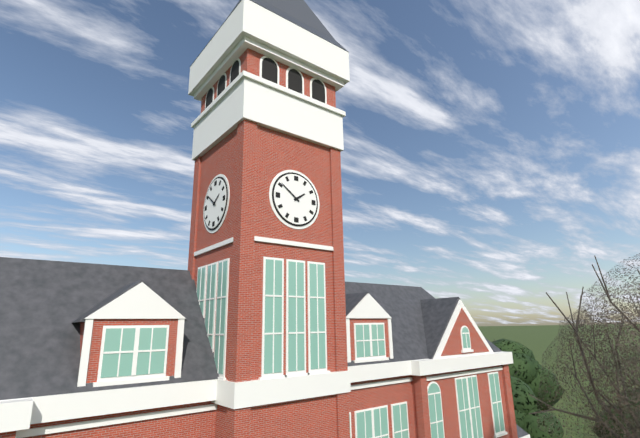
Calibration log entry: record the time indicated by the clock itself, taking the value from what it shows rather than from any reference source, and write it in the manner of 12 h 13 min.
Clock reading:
1 h 51 min
